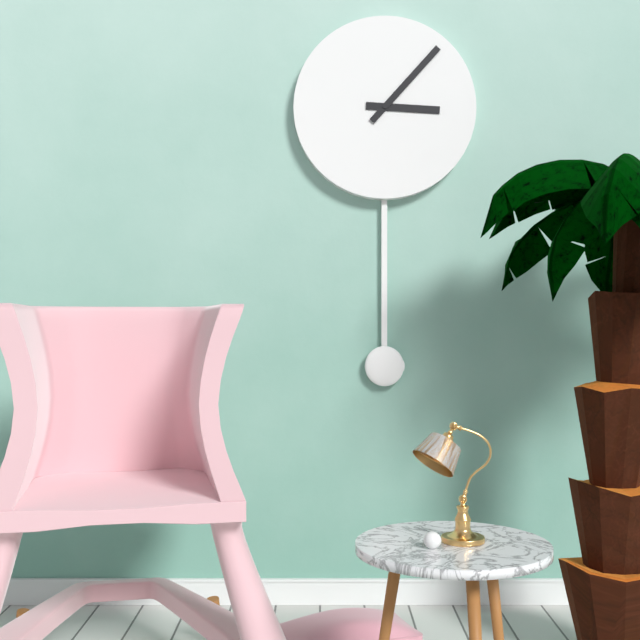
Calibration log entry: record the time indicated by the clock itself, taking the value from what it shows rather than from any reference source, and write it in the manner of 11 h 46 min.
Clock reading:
3 h 07 min
